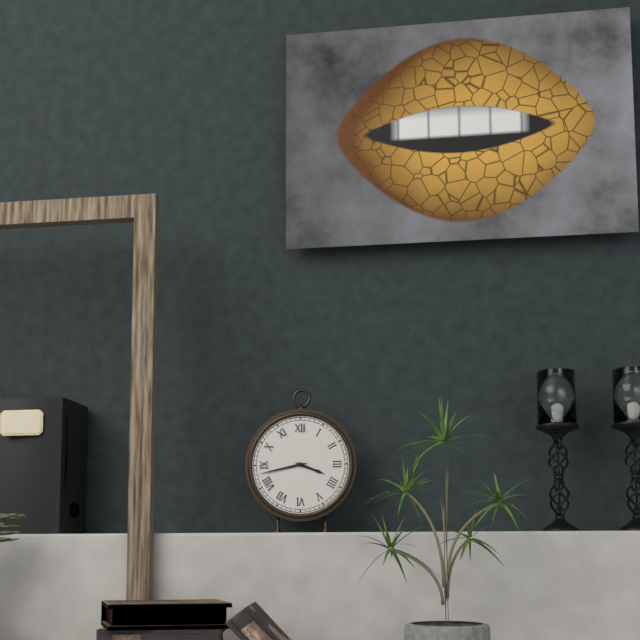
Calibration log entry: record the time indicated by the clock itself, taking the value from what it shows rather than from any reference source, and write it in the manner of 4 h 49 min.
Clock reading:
3 h 43 min
